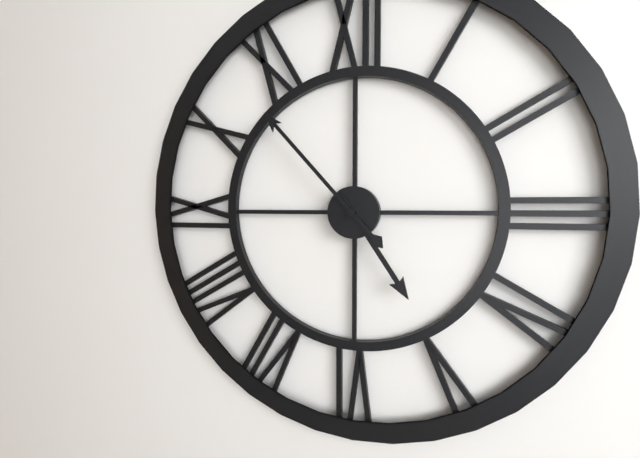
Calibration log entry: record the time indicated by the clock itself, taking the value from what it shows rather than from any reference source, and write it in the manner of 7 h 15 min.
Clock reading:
4 h 53 min
